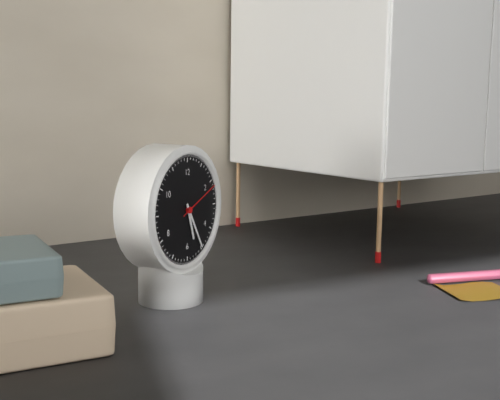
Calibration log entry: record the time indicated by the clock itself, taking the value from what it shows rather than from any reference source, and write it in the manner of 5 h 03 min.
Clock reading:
5 h 25 min
